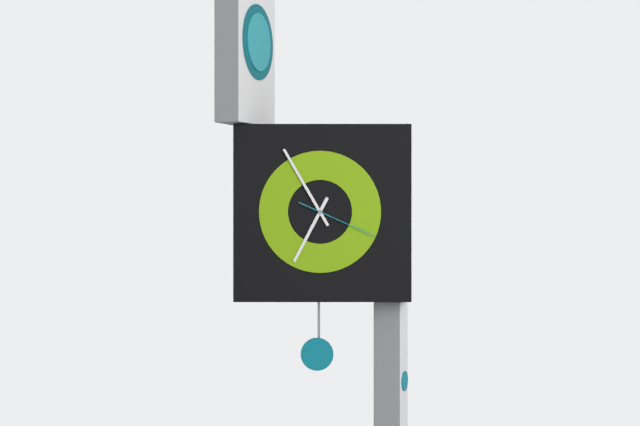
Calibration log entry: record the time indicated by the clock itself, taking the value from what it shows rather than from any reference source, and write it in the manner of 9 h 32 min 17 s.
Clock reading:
6 h 55 min 19 s
